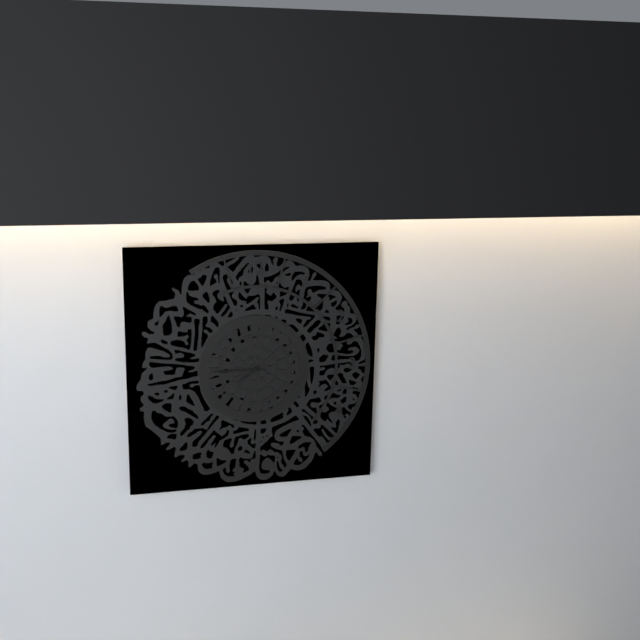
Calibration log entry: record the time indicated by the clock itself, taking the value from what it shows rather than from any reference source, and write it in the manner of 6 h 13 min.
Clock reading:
7 h 45 min
